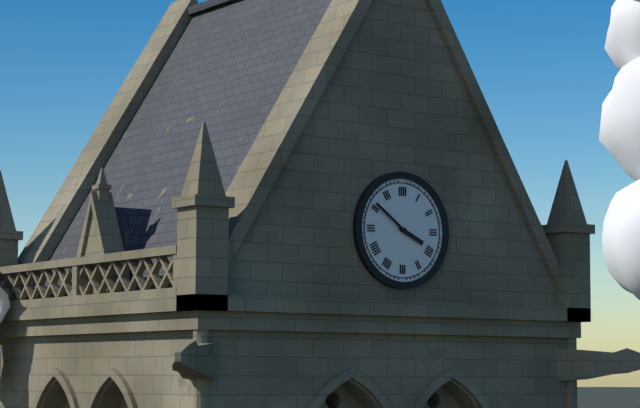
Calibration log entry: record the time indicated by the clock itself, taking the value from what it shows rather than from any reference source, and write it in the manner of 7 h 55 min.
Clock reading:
3 h 51 min
